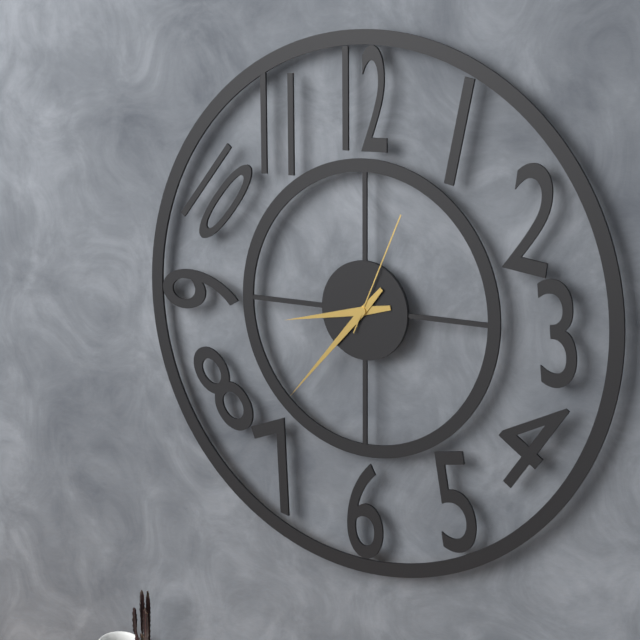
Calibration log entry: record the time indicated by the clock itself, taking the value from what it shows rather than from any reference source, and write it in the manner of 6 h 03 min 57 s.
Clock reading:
8 h 37 min 04 s
